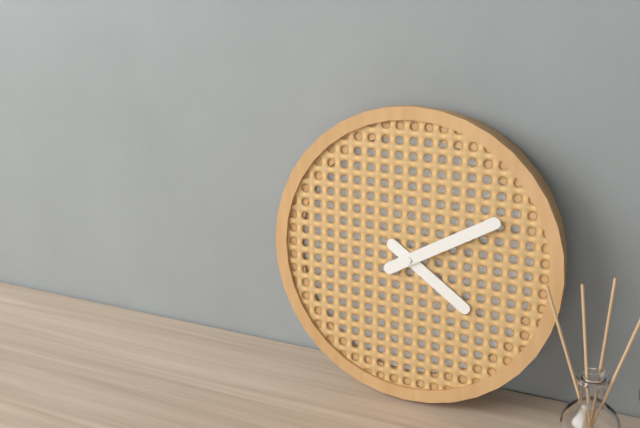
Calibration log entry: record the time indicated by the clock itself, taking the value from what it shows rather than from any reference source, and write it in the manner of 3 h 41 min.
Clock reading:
4 h 10 min
